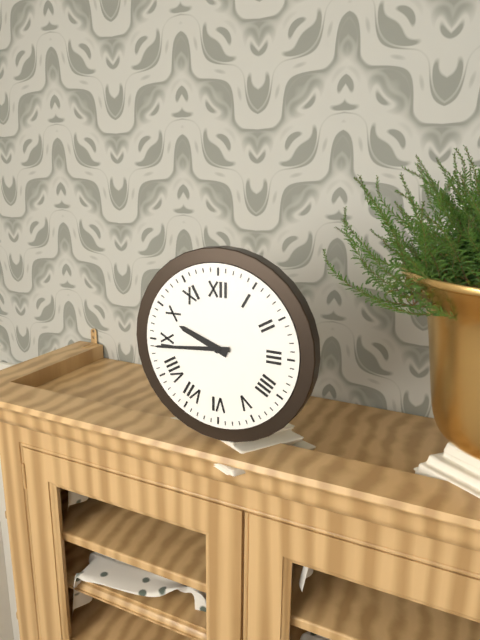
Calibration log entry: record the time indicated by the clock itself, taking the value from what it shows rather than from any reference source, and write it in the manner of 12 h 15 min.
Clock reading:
9 h 44 min
